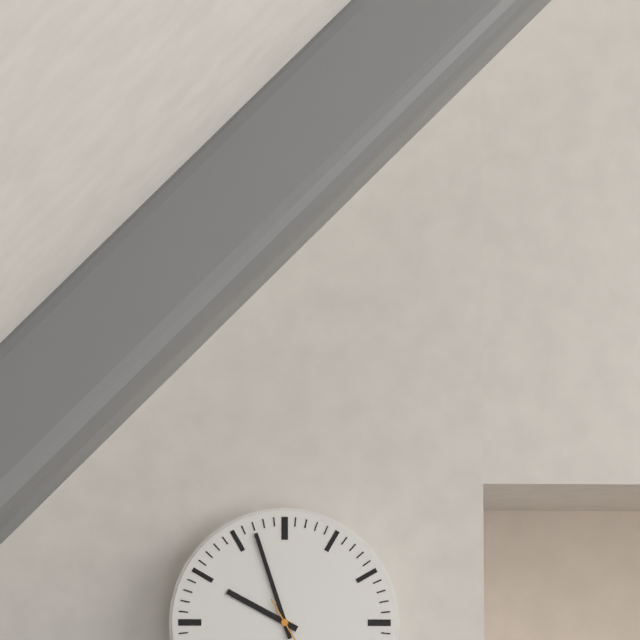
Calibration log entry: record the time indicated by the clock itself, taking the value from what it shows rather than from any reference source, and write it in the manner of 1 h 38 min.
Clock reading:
9 h 57 min
